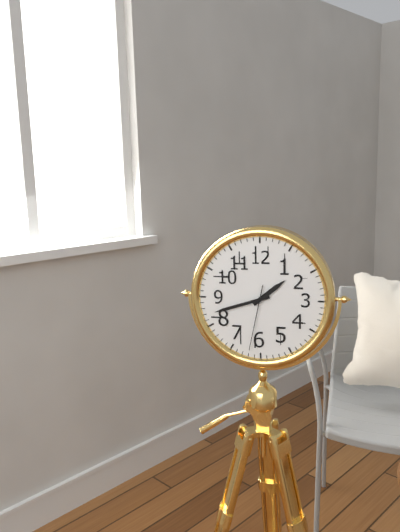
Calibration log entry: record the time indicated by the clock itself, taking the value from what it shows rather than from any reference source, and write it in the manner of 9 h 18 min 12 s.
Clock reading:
1 h 42 min 32 s
